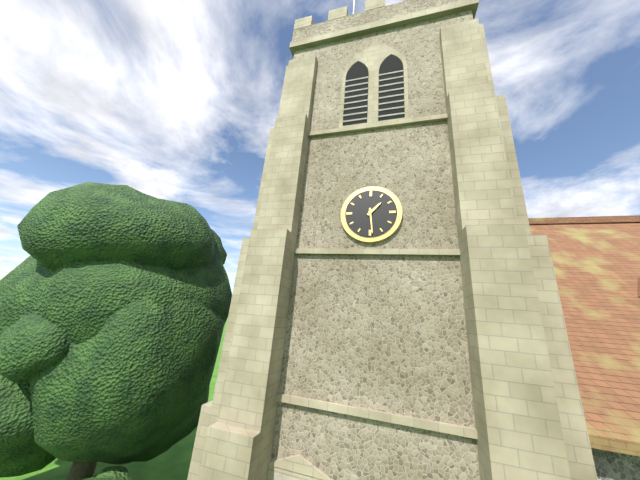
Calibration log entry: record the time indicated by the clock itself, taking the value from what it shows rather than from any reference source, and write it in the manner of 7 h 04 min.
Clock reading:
1 h 29 min
